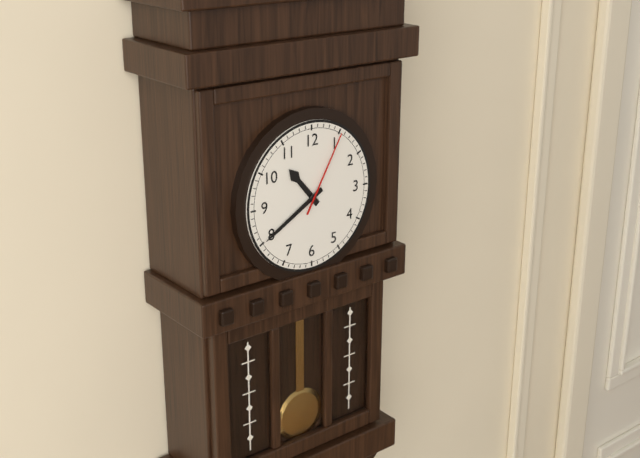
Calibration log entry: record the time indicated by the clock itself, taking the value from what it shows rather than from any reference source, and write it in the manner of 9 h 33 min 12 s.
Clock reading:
10 h 40 min 05 s
